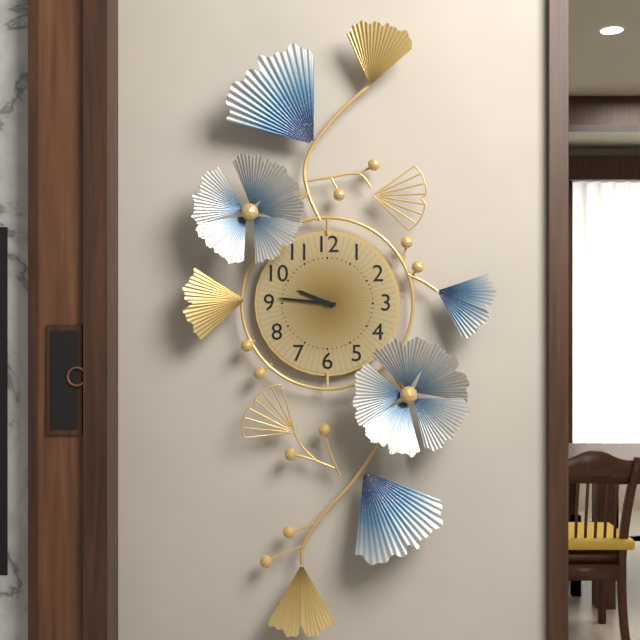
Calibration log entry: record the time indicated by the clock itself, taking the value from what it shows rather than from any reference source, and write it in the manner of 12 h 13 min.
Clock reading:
9 h 46 min
